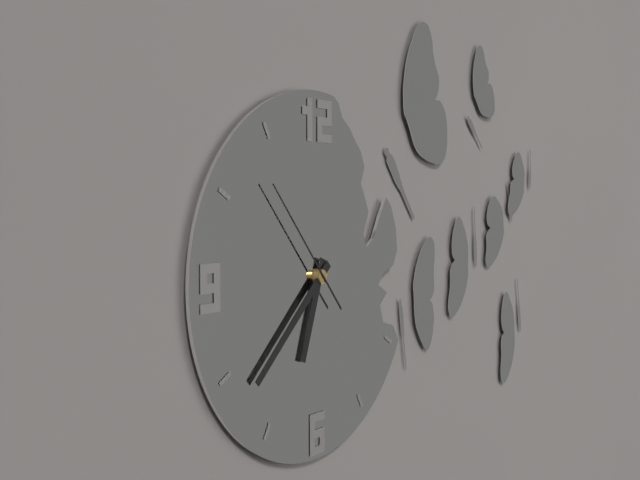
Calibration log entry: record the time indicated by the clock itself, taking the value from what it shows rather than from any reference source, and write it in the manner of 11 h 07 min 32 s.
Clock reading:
6 h 38 min 53 s
